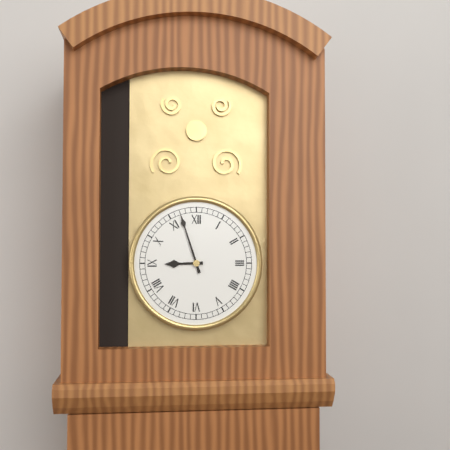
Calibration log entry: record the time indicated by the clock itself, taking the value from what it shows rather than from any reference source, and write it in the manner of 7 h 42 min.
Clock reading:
8 h 57 min
